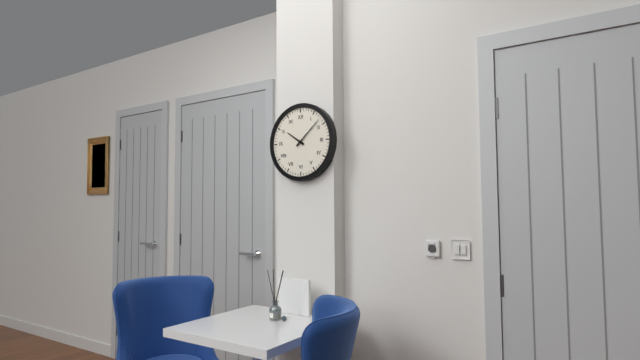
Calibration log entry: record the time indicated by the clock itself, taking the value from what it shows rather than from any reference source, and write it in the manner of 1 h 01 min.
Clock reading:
10 h 08 min
